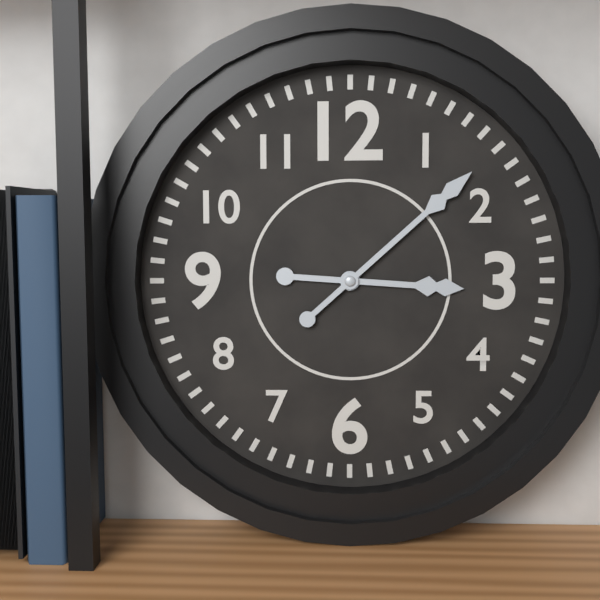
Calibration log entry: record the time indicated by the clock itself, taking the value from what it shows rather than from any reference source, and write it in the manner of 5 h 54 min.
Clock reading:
3 h 08 min
